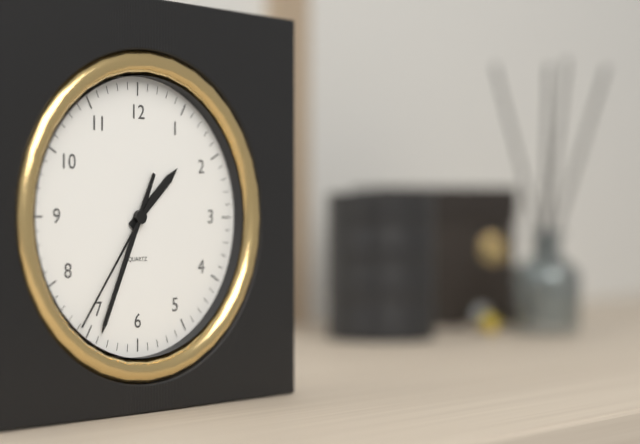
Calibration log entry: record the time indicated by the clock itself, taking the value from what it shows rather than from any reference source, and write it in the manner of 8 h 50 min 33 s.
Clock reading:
1 h 34 min 36 s
